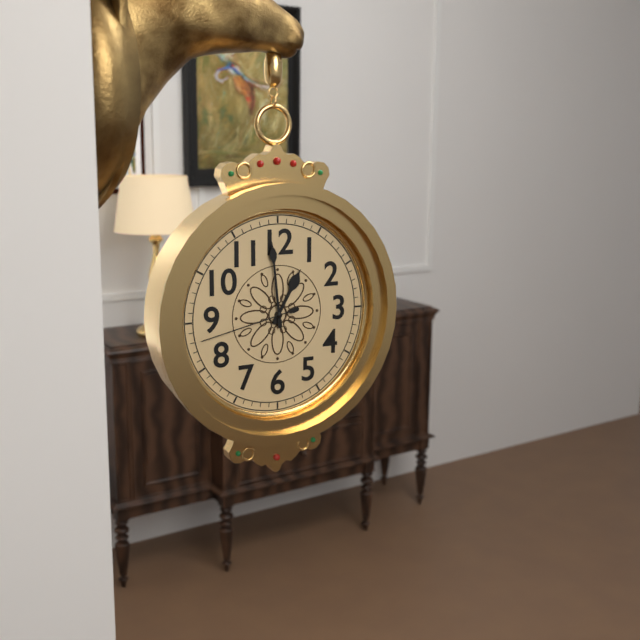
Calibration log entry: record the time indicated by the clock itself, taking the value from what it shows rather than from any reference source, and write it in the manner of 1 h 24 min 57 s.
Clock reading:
12 h 59 min 43 s
